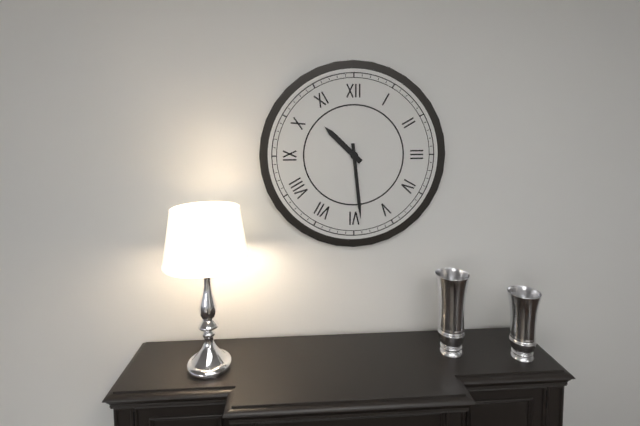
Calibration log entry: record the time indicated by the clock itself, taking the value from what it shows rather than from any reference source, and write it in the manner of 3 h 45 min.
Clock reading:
10 h 29 min
